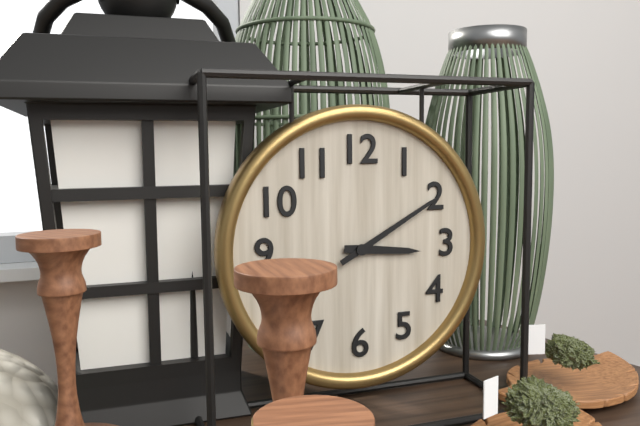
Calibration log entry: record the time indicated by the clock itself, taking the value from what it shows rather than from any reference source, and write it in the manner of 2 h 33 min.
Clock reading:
3 h 10 min
